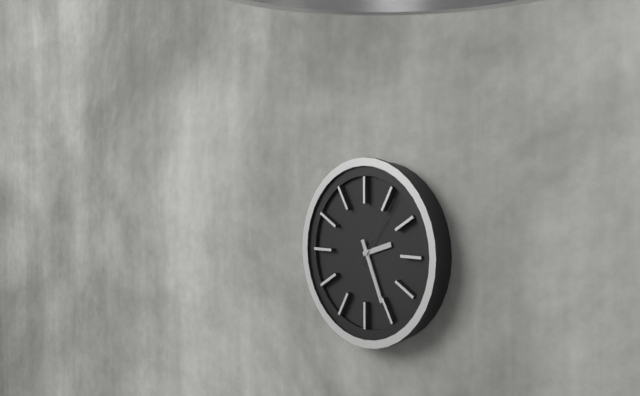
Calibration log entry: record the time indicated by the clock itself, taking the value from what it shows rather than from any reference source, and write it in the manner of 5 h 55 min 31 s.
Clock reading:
2 h 26 min 06 s
